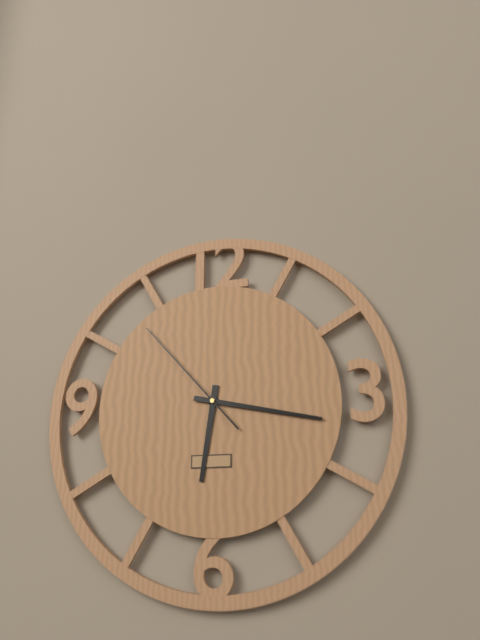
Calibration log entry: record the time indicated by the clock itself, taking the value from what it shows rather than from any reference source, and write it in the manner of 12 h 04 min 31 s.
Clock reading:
6 h 17 min 53 s
